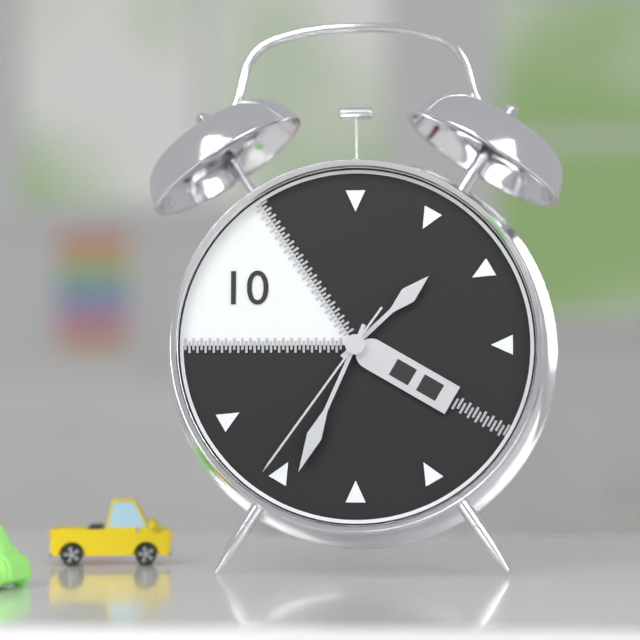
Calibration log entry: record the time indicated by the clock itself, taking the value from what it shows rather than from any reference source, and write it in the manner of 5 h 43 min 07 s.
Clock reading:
1 h 34 min 36 s
